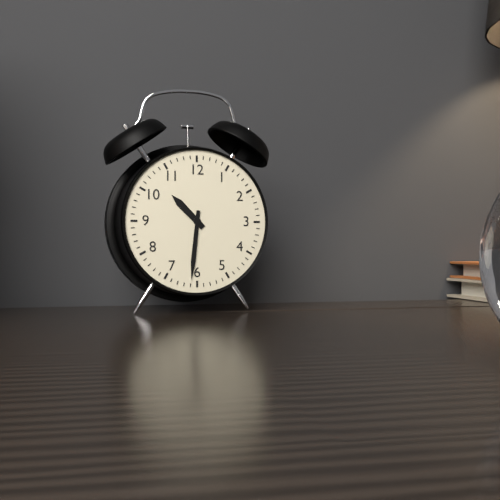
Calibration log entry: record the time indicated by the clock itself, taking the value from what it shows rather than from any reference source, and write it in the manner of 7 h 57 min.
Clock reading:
10 h 31 min
